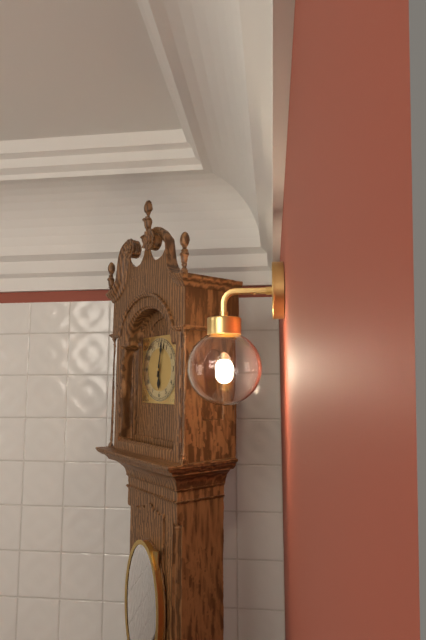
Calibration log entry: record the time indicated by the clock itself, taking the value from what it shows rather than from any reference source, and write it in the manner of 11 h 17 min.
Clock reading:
6 h 02 min
